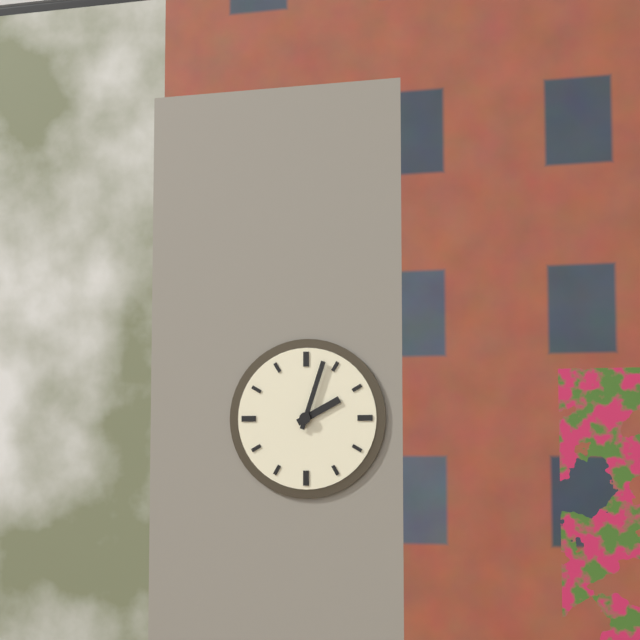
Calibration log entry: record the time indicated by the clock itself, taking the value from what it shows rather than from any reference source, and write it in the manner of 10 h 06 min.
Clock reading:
2 h 03 min
